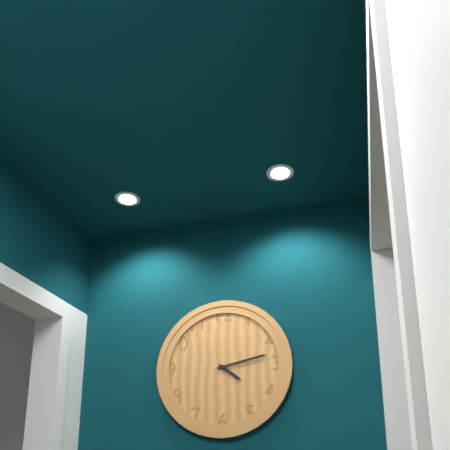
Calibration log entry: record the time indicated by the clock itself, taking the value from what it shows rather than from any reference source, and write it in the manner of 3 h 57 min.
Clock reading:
4 h 13 min
